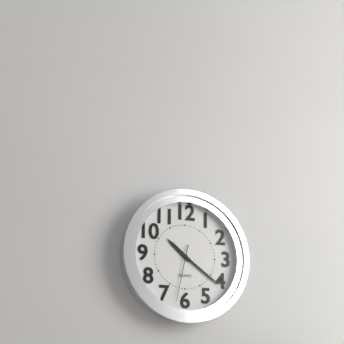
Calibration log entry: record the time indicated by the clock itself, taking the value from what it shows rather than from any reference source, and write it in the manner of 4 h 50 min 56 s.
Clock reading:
10 h 21 min 32 s
